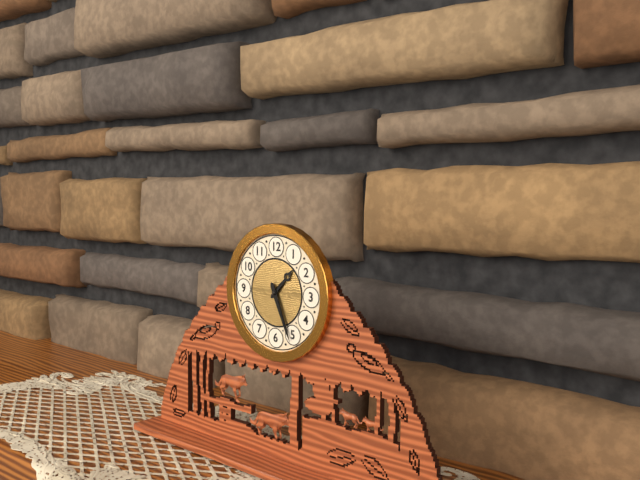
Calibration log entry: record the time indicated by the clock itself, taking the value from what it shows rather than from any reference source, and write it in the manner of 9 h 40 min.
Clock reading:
1 h 26 min
